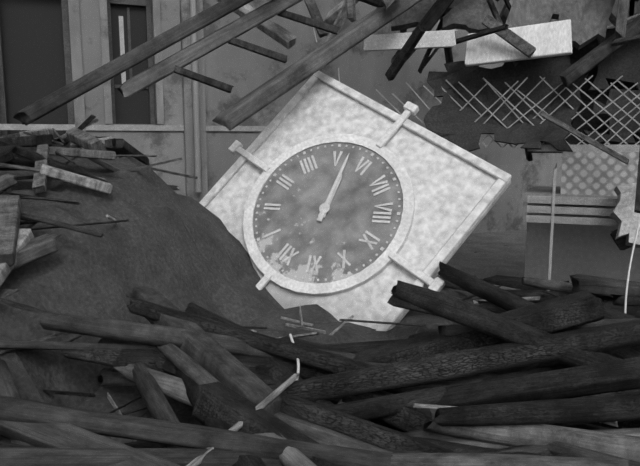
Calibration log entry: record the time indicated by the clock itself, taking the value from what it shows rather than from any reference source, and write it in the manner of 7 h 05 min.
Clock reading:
5 h 27 min
